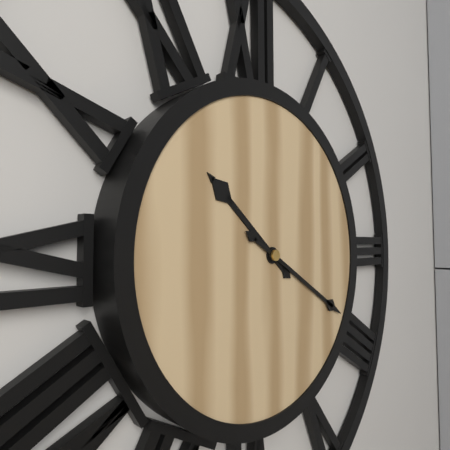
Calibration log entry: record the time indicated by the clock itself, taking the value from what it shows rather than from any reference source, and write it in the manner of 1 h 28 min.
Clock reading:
10 h 20 min
